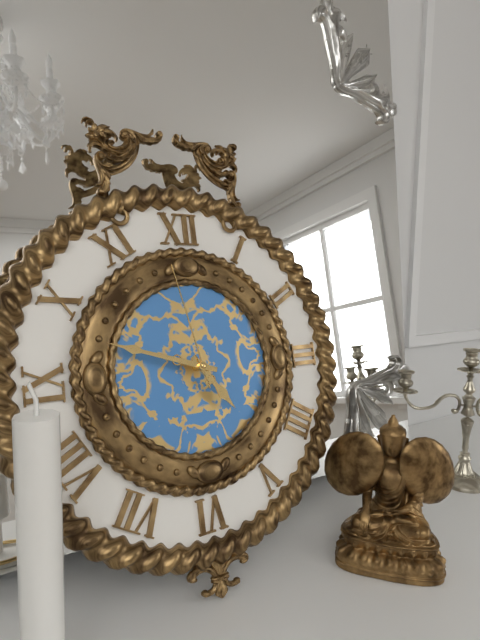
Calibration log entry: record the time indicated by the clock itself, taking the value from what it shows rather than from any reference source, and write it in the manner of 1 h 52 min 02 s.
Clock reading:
4 h 48 min 58 s
